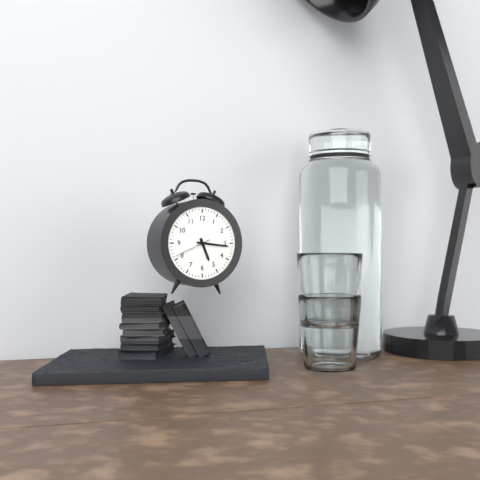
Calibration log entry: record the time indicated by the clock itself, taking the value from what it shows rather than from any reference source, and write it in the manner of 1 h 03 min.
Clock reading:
5 h 16 min
